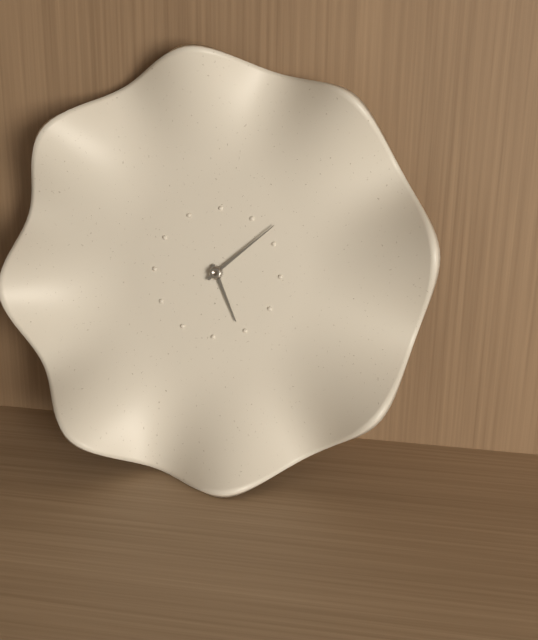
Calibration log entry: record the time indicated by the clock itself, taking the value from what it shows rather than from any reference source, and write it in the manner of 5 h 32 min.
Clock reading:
5 h 08 min
